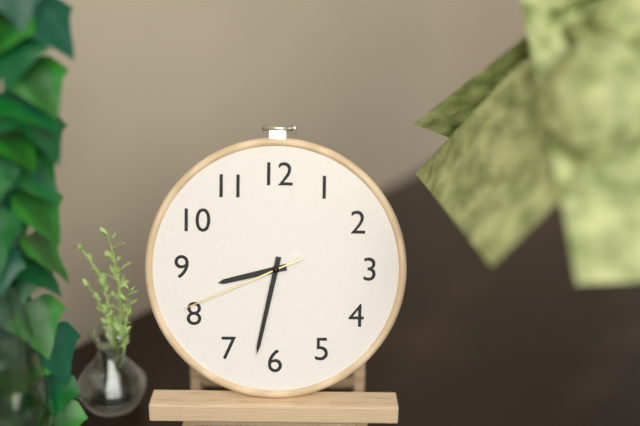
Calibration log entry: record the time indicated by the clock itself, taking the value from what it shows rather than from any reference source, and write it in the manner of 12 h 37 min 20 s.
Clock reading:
8 h 32 min 41 s
